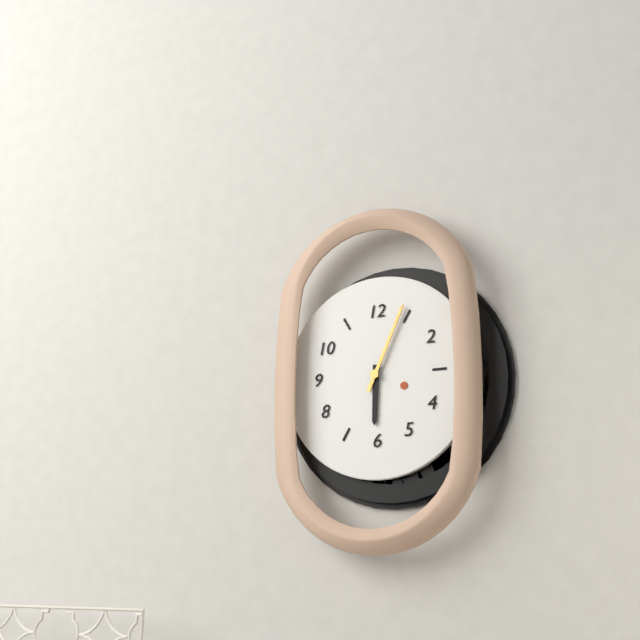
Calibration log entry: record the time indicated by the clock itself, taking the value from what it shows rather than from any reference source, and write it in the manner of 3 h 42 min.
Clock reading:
6 h 04 min
